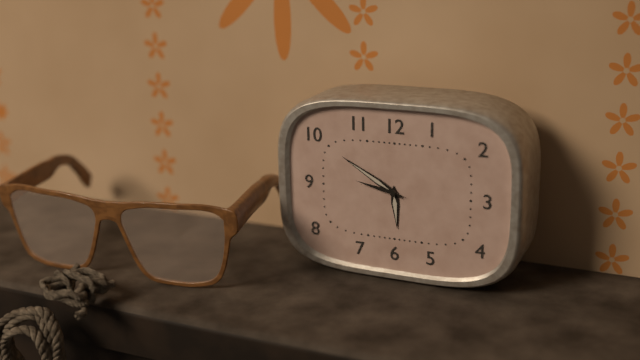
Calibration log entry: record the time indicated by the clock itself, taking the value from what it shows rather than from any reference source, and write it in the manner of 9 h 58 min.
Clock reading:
5 h 50 min
